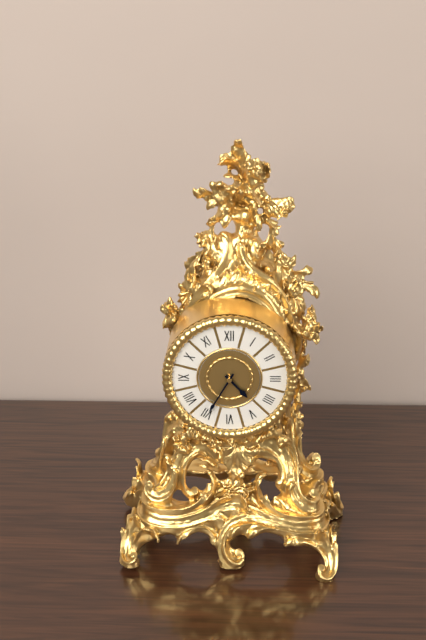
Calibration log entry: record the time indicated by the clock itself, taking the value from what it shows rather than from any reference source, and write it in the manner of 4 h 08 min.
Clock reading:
4 h 35 min
